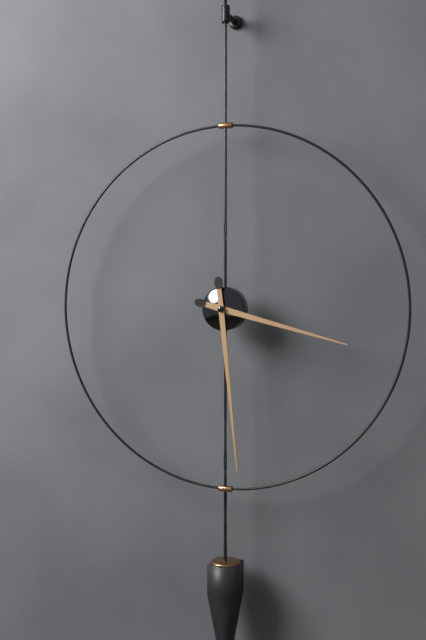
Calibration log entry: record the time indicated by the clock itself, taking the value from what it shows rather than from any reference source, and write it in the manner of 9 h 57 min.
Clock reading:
3 h 29 min
